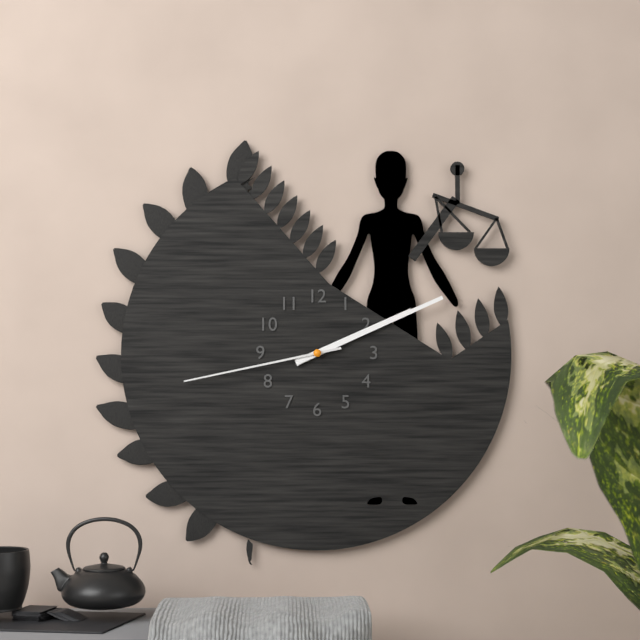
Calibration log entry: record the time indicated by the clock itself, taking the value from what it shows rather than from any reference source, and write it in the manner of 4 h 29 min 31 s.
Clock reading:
2 h 11 min 43 s
